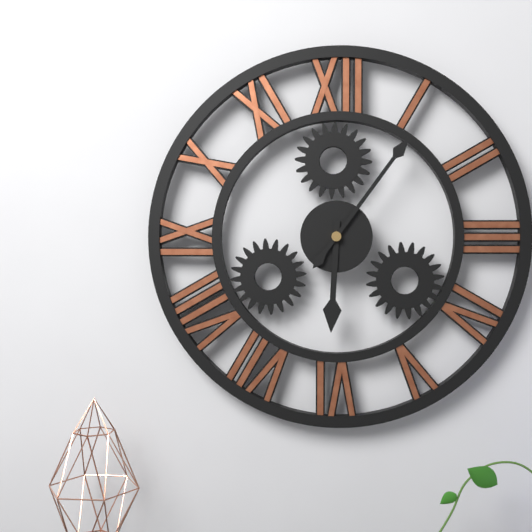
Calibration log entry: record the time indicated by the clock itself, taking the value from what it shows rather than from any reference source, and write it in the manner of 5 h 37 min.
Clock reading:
6 h 06 min
